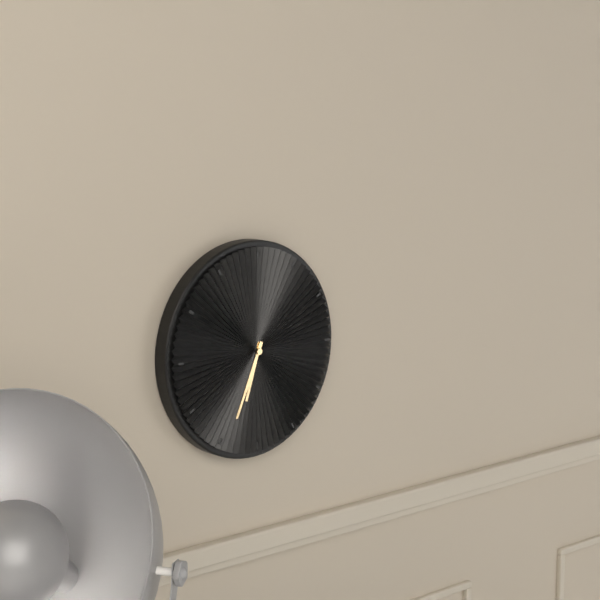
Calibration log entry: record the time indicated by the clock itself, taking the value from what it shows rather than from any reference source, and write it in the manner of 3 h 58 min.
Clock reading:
6 h 34 min
